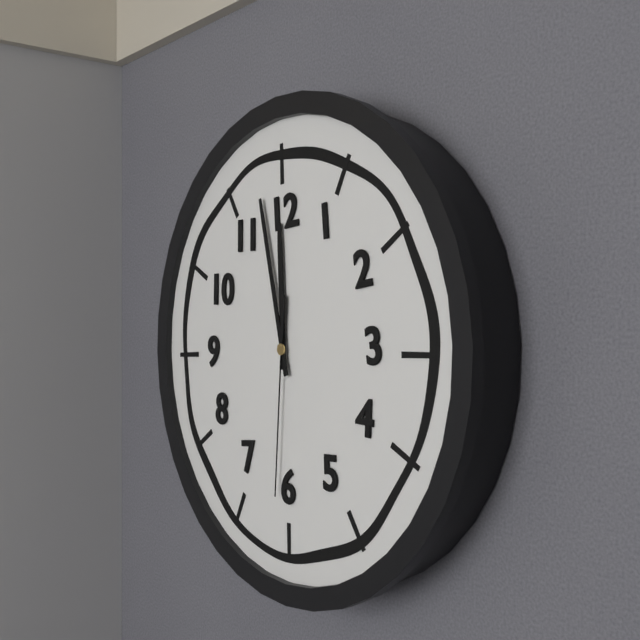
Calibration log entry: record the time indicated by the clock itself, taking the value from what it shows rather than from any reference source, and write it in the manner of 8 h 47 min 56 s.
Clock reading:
11 h 58 min 31 s
